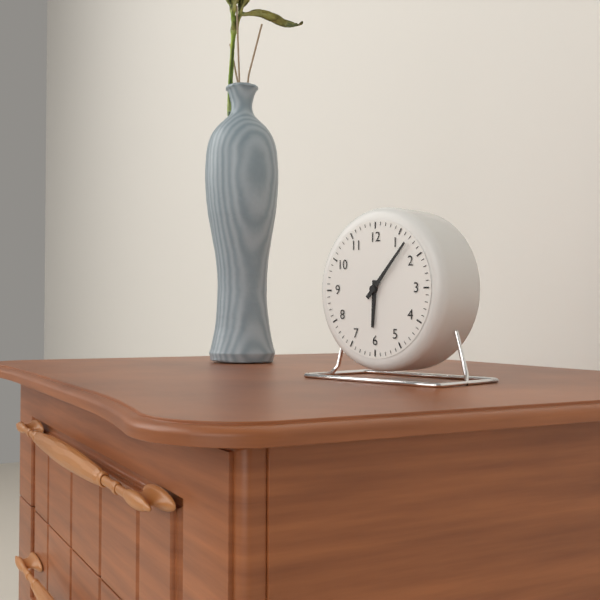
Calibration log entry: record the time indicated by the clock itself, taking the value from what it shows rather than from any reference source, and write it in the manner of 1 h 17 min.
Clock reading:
6 h 07 min
